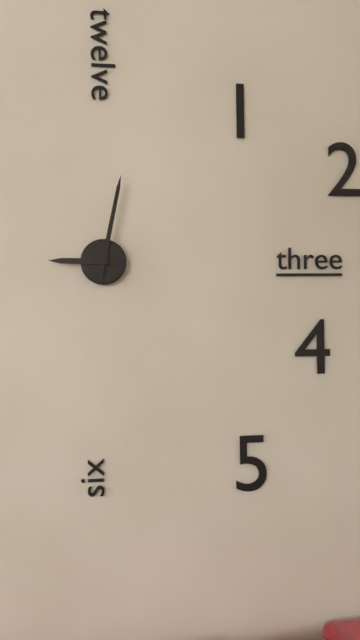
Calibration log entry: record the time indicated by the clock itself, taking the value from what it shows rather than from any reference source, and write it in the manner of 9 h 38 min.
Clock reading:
9 h 02 min
